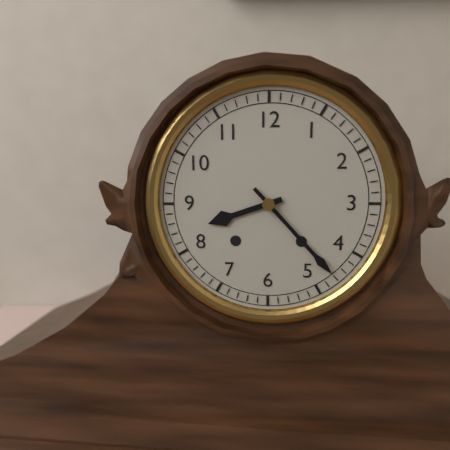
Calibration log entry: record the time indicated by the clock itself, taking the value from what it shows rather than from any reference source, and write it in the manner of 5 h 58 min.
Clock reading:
8 h 23 min
